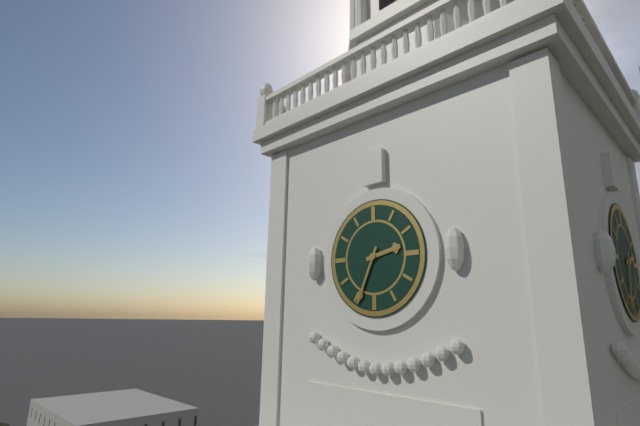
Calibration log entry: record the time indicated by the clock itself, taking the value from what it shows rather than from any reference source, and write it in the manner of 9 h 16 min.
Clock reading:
2 h 34 min
